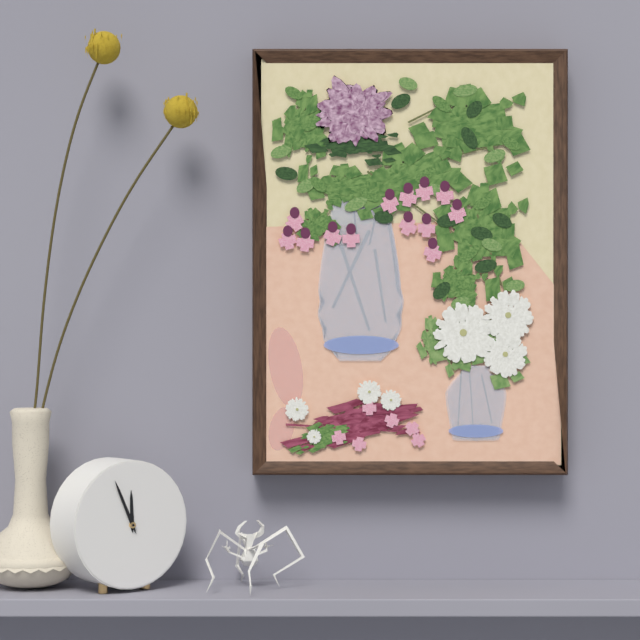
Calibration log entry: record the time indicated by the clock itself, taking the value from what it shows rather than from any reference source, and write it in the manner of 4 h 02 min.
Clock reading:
11 h 56 min
